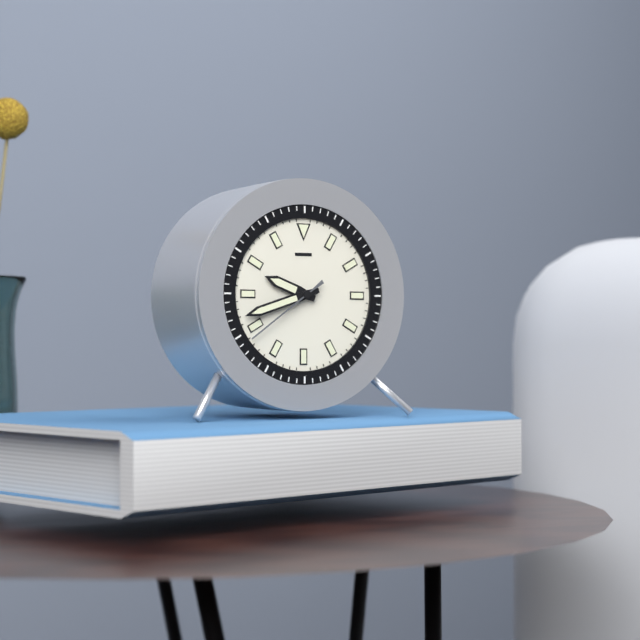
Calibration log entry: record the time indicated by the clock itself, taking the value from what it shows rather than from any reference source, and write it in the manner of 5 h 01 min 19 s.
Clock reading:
9 h 42 min 39 s
